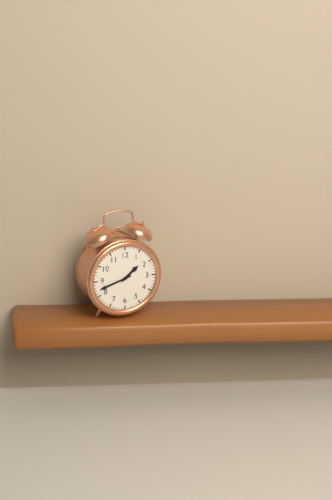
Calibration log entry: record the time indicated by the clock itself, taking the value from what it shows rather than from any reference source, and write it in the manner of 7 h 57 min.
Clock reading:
1 h 42 min
